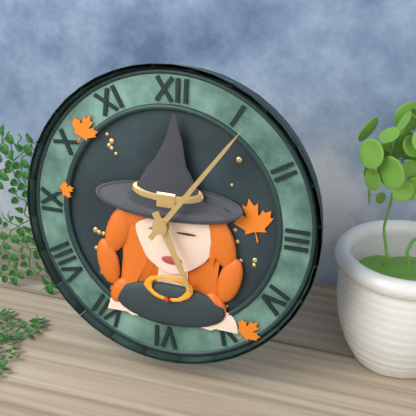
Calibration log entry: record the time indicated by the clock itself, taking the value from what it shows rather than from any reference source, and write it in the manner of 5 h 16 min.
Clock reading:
5 h 06 min
